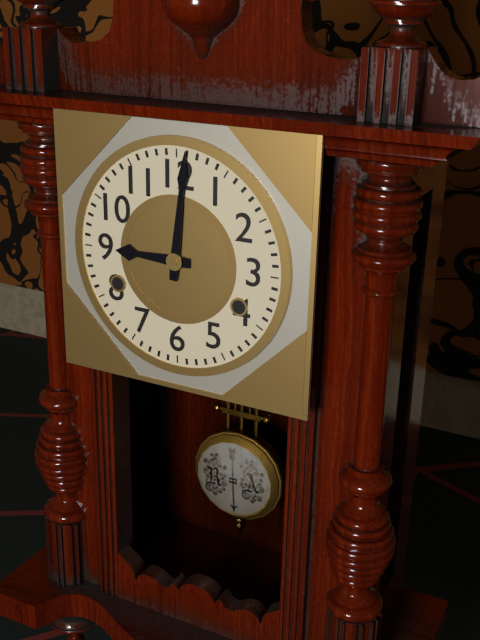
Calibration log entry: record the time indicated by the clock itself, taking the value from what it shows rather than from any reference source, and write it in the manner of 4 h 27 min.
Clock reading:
9 h 01 min
